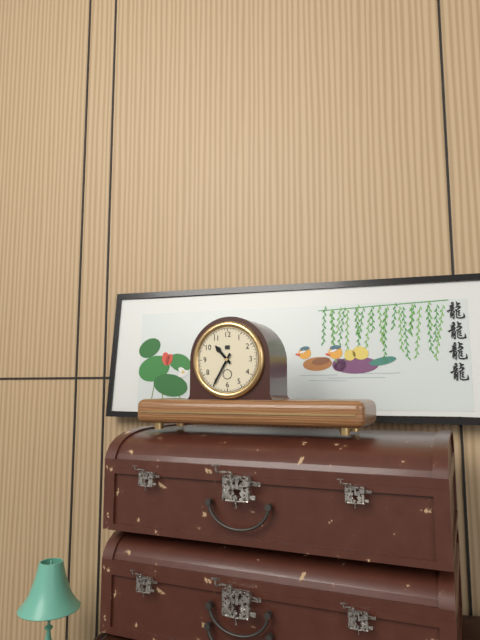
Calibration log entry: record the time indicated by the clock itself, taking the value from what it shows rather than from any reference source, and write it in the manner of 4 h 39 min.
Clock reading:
10 h 35 min
